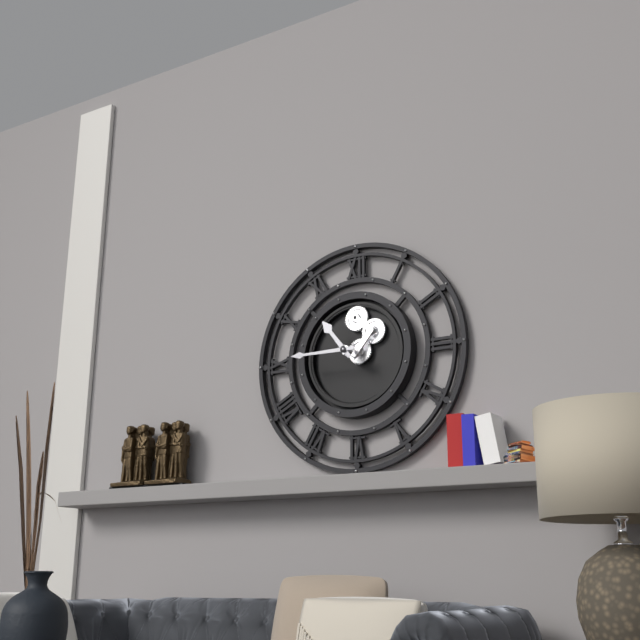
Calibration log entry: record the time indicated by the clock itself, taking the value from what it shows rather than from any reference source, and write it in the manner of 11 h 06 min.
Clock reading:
10 h 45 min
